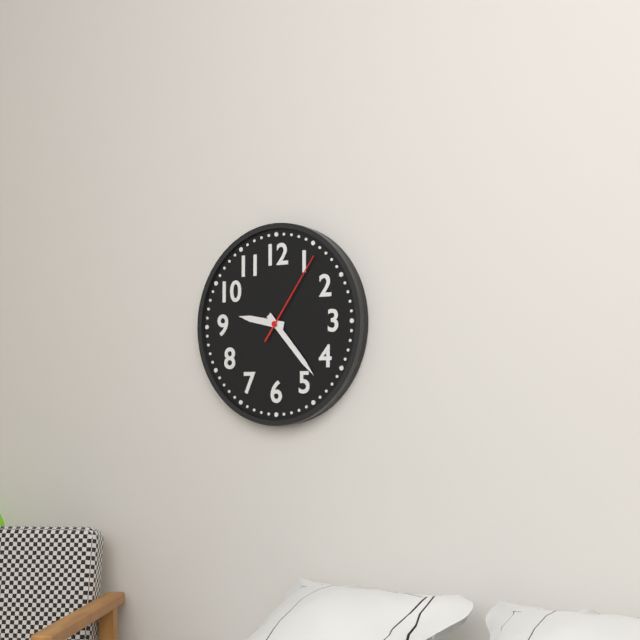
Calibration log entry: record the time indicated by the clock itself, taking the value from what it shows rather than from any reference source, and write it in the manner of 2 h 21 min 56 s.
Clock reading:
9 h 23 min 06 s
